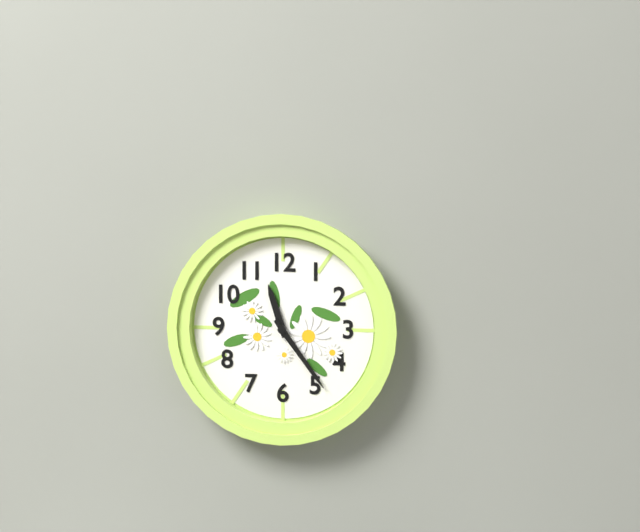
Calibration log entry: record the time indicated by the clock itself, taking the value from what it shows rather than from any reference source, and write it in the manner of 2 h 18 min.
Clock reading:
11 h 24 min
